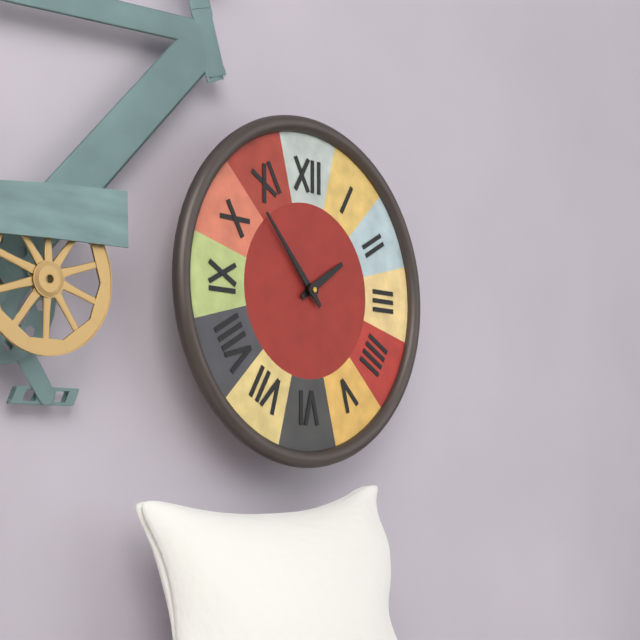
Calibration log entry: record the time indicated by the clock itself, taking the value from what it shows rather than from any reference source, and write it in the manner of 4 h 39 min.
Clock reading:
1 h 53 min
